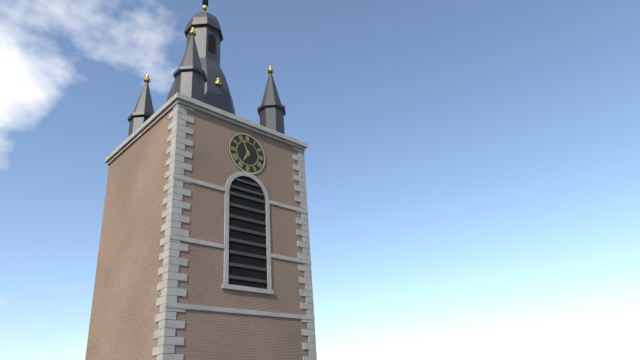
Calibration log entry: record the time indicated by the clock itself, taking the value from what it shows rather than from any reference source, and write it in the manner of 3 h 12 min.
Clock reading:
6 h 56 min
